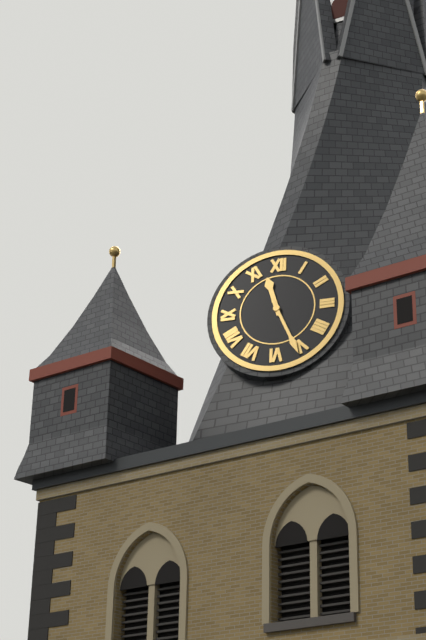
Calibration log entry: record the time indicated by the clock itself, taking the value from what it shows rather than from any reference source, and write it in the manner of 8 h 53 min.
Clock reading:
11 h 26 min
